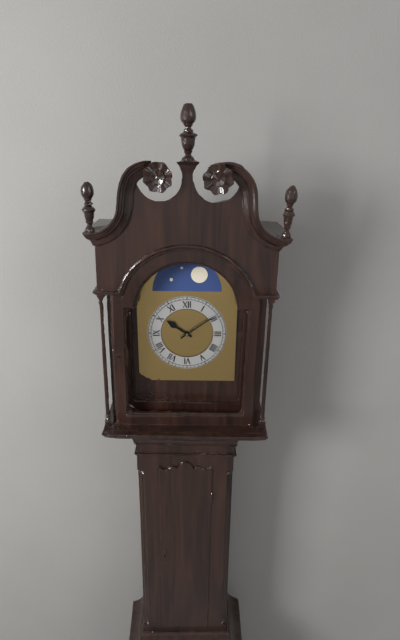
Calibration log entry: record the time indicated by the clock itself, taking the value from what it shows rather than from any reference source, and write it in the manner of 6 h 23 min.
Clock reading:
10 h 09 min
